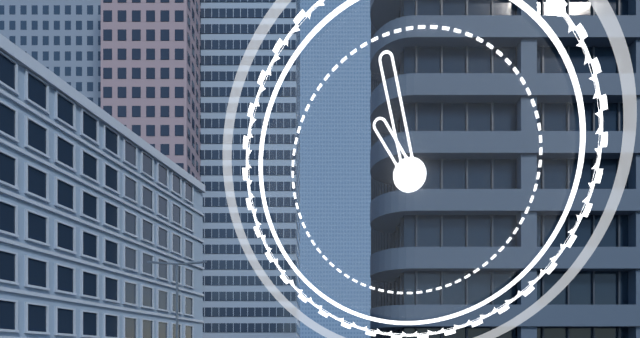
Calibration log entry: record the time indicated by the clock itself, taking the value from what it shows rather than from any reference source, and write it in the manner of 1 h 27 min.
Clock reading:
10 h 58 min
